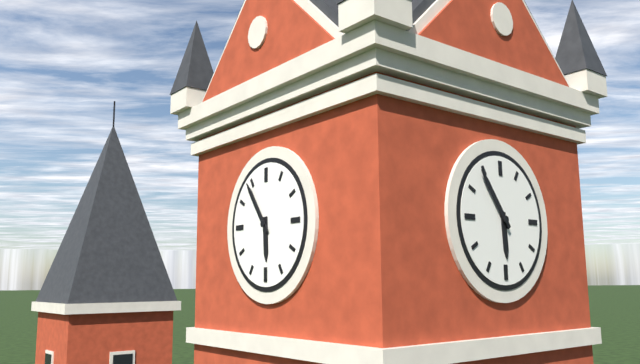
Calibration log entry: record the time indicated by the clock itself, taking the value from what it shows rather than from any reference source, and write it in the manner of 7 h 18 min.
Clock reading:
5 h 54 min
